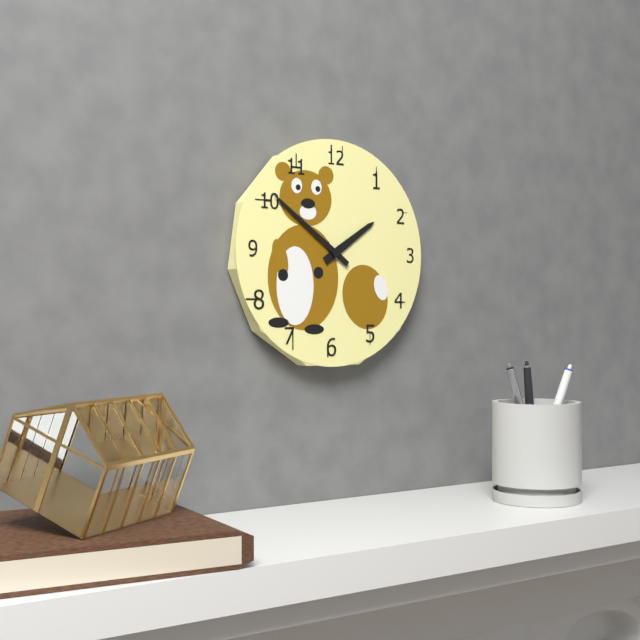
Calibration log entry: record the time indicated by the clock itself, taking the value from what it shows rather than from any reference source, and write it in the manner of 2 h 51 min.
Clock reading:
1 h 51 min
